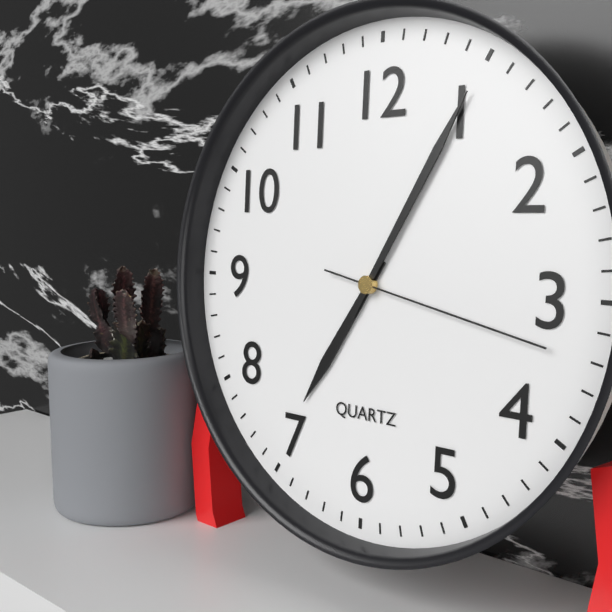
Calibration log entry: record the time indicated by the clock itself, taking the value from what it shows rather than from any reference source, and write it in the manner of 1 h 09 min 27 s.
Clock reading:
7 h 05 min 17 s
